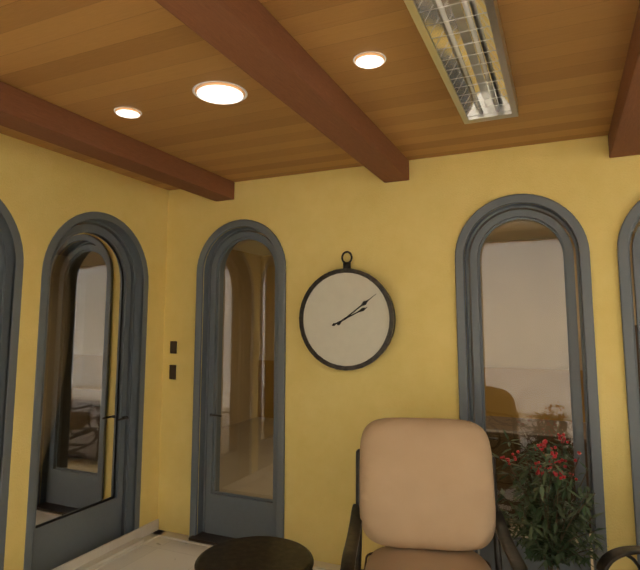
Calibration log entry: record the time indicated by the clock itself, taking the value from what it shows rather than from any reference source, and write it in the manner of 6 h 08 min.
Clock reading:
2 h 09 min
